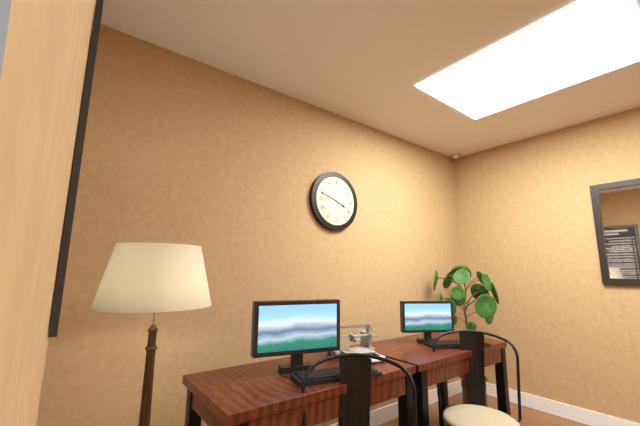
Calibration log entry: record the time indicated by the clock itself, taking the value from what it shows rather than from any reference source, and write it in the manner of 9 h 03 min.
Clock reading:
3 h 48 min
